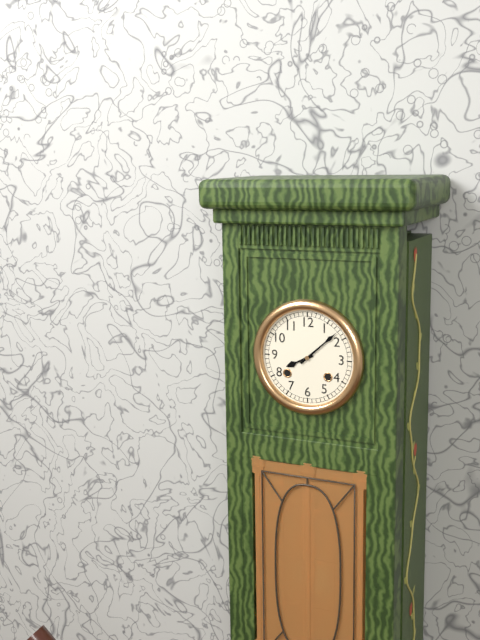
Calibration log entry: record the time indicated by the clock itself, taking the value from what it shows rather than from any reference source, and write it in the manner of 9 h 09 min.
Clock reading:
8 h 08 min
